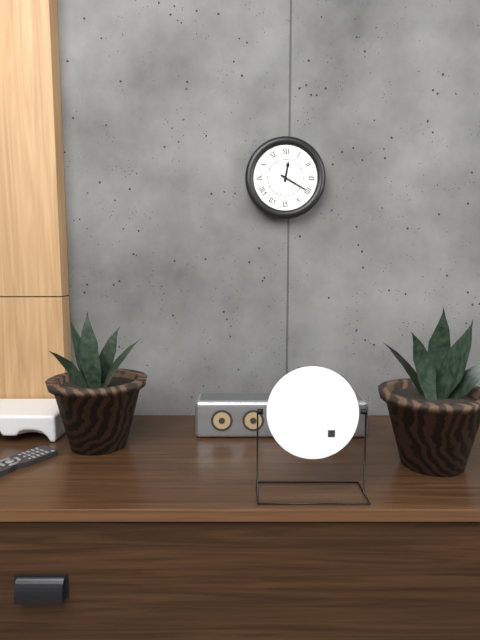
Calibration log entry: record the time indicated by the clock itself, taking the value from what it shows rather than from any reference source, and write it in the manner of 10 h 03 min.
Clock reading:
12 h 20 min
